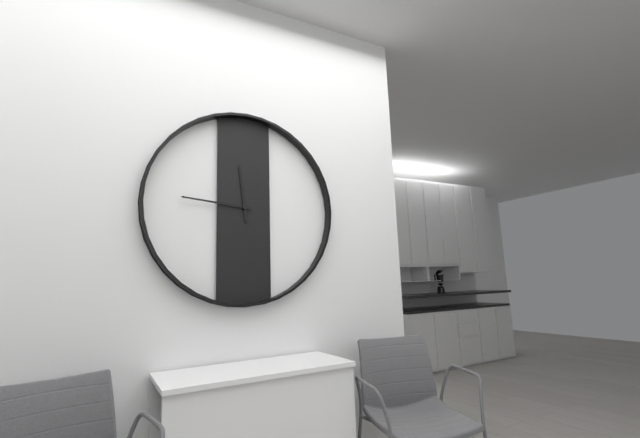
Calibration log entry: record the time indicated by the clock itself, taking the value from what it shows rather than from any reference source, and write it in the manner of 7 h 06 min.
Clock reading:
11 h 46 min
